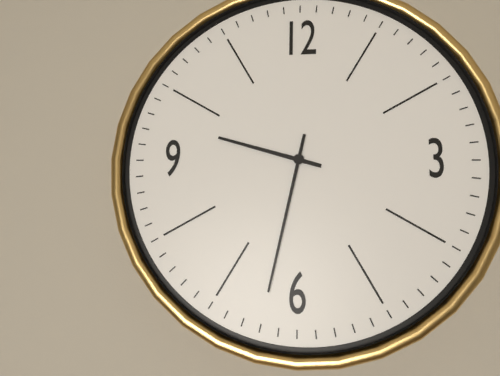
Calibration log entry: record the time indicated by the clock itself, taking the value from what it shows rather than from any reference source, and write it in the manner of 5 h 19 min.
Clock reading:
9 h 32 min
